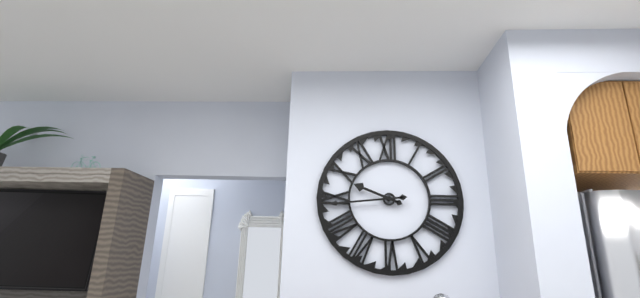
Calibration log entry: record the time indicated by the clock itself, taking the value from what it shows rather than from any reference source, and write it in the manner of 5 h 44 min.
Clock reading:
9 h 44 min
